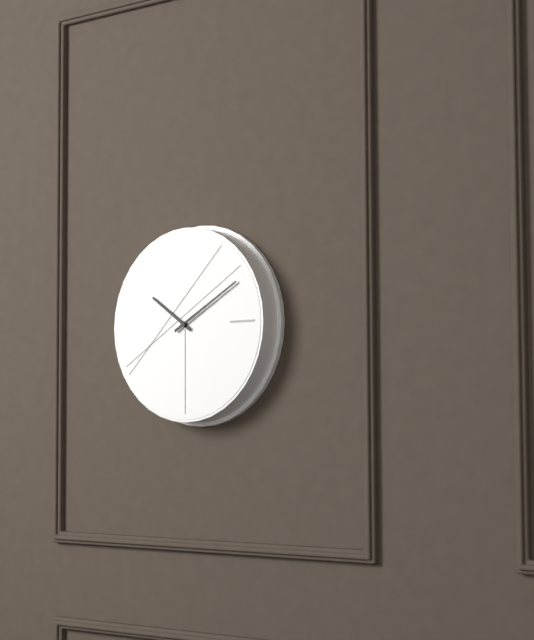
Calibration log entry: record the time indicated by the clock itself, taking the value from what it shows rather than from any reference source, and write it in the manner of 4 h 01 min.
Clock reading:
10 h 10 min
